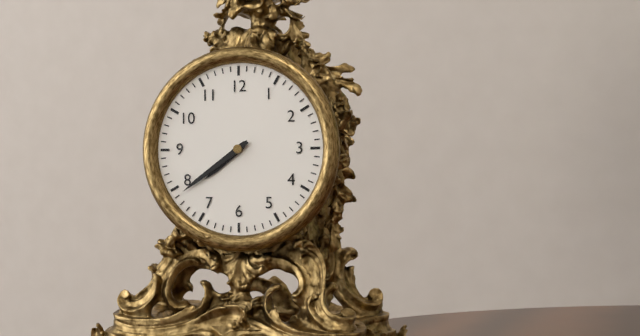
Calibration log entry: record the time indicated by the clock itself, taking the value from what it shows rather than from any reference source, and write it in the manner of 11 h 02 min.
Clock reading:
7 h 39 min
